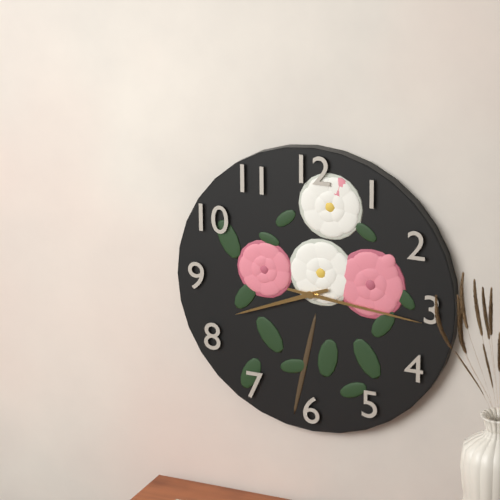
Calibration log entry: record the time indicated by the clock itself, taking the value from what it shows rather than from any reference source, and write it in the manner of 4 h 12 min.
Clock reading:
8 h 16 min
